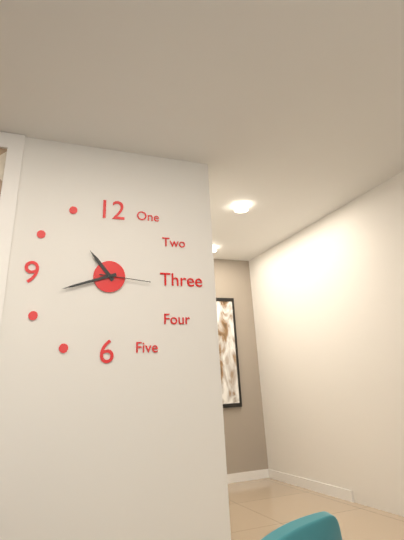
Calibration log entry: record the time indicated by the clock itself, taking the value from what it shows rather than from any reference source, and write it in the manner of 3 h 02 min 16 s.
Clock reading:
10 h 42 min 16 s
